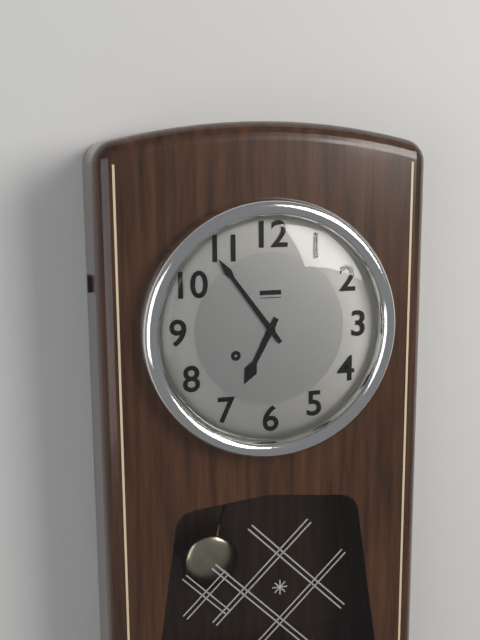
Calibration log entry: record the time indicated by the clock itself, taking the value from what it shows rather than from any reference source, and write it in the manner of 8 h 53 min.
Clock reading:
6 h 54 min
